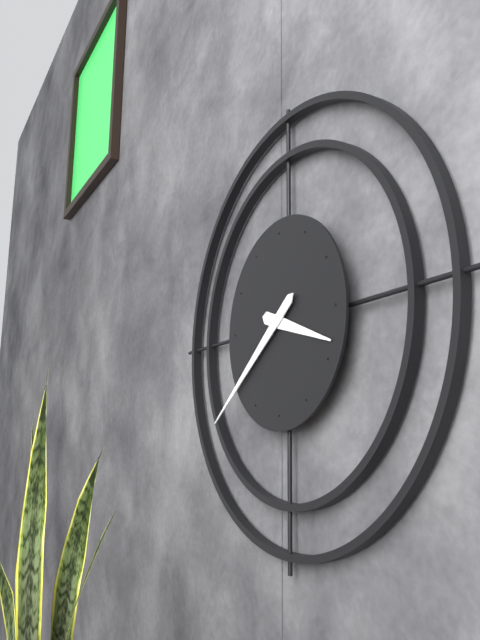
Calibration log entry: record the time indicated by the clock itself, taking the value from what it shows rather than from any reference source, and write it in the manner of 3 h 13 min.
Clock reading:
3 h 39 min
